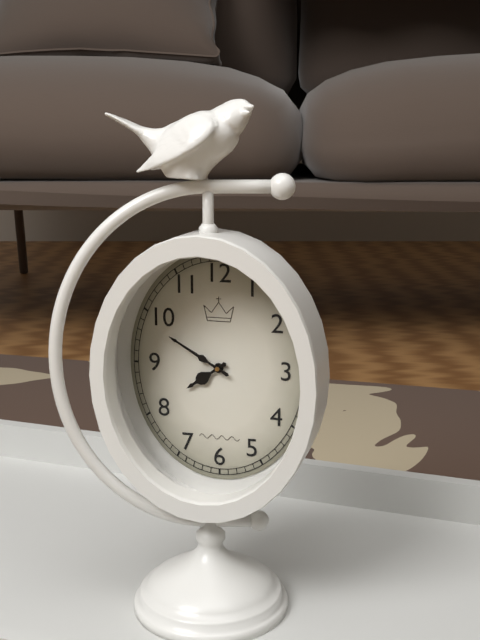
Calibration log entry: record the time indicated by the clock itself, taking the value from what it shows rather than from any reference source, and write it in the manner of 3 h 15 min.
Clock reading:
7 h 50 min
